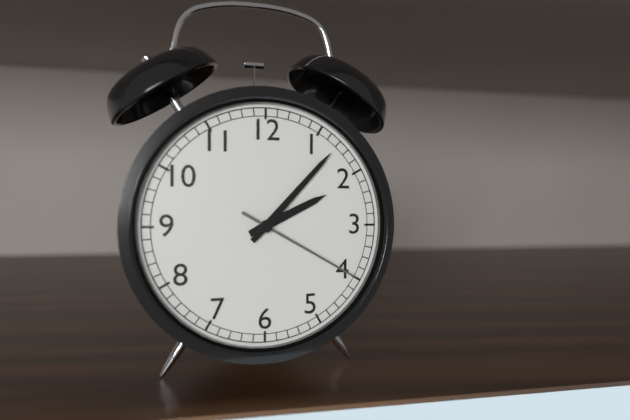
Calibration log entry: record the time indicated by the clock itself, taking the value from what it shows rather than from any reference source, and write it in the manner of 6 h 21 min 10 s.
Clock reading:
2 h 07 min 20 s
